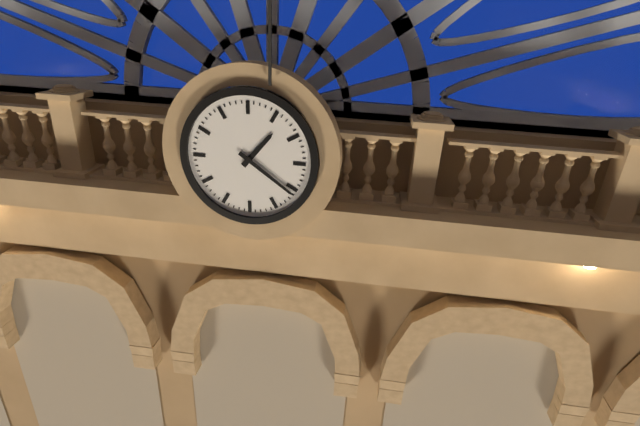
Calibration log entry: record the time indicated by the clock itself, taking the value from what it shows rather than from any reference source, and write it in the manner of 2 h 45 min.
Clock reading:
1 h 21 min
